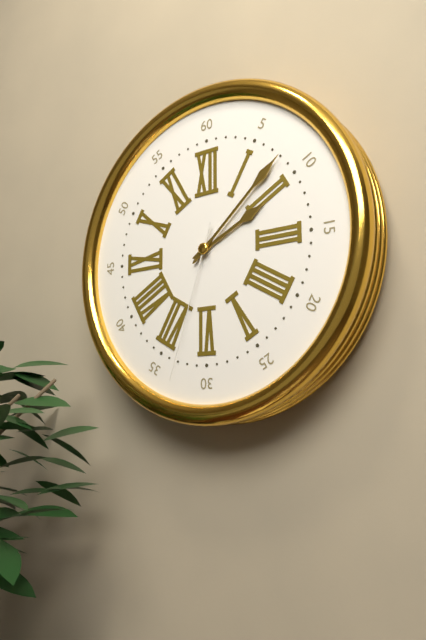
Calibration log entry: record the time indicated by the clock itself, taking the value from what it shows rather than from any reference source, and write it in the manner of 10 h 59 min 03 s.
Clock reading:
2 h 08 min 33 s
